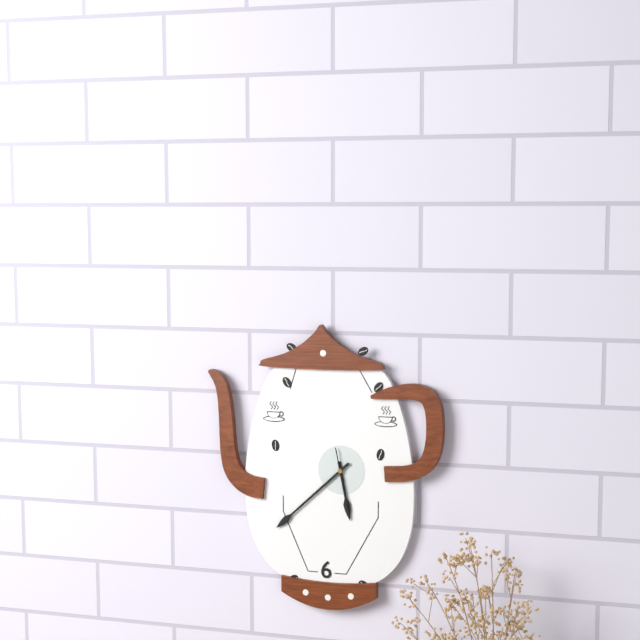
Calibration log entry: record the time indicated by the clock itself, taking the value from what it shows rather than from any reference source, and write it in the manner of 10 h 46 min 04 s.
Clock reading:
5 h 38 min 28 s
